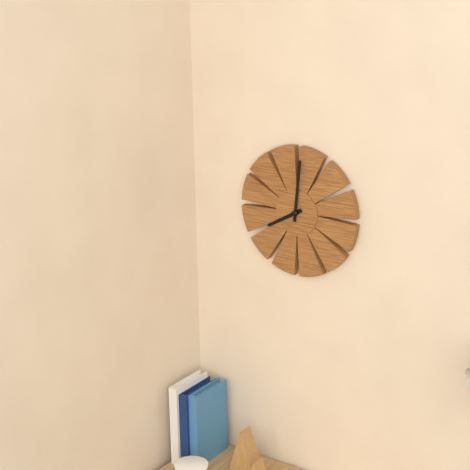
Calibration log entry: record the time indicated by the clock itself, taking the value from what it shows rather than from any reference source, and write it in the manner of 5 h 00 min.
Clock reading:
8 h 01 min
